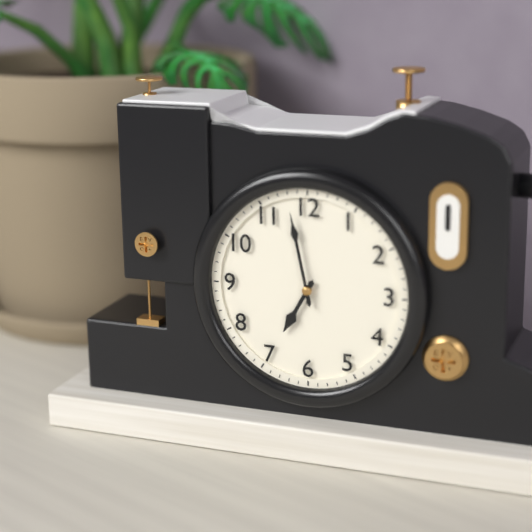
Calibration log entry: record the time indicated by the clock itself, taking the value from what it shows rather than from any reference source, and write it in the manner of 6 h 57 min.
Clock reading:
6 h 58 min
